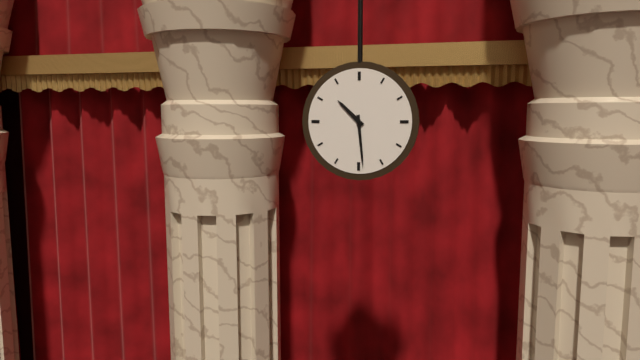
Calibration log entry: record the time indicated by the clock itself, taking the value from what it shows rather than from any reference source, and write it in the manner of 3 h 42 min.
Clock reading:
10 h 29 min
